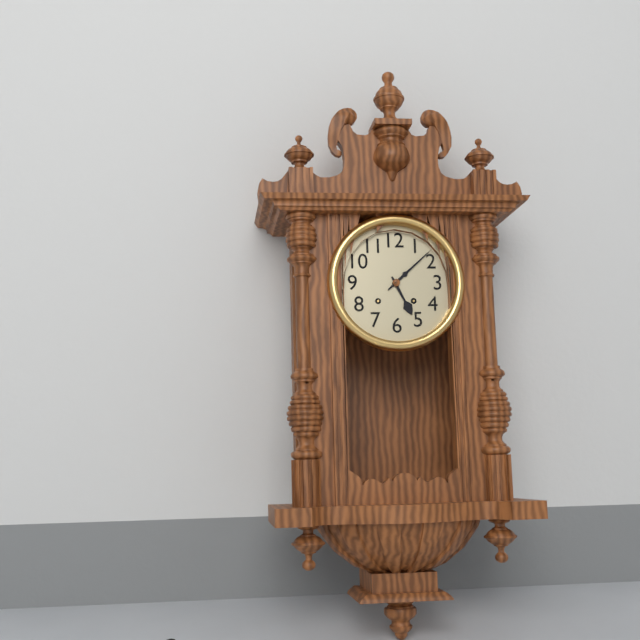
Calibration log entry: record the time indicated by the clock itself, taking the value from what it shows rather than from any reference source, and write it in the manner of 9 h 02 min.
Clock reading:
5 h 08 min
